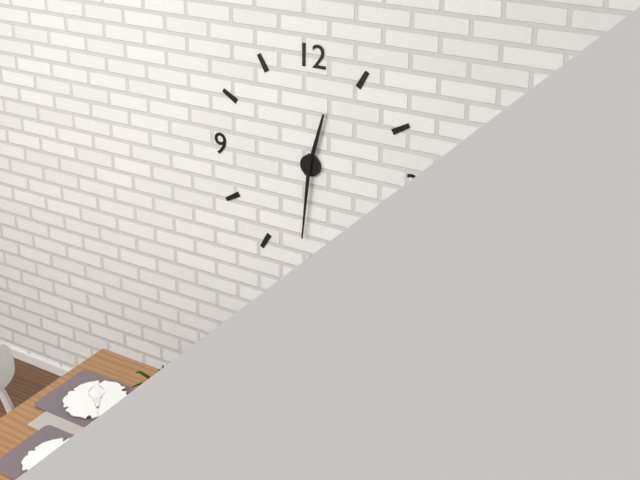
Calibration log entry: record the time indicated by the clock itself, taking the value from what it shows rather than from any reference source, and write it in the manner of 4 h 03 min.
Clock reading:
12 h 31 min
